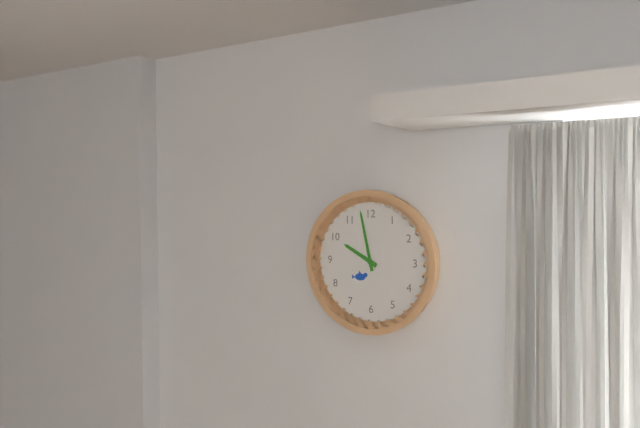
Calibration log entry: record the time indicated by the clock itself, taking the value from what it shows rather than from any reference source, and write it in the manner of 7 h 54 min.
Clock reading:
9 h 58 min
